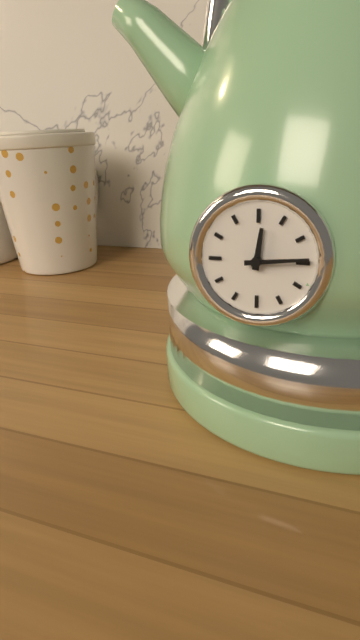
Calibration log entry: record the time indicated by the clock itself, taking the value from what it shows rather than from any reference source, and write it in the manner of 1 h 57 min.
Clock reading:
12 h 14 min
